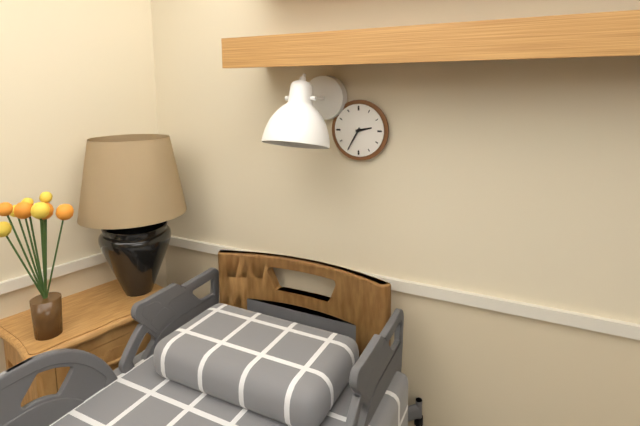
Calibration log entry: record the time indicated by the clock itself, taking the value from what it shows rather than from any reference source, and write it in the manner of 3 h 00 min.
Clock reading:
2 h 35 min
